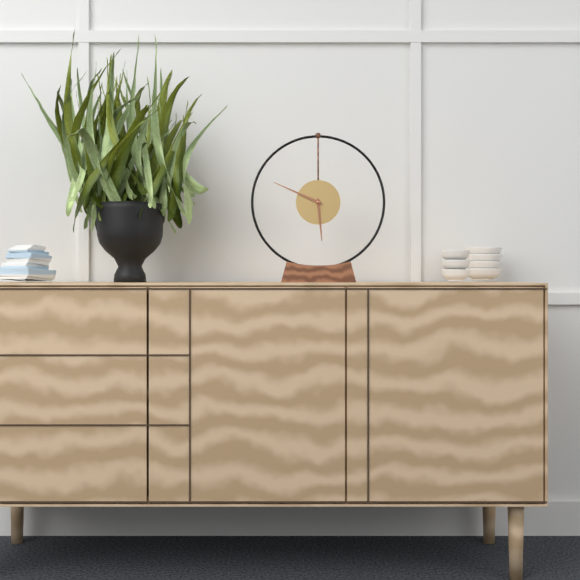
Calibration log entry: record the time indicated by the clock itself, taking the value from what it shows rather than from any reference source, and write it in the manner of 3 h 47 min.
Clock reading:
5 h 49 min
